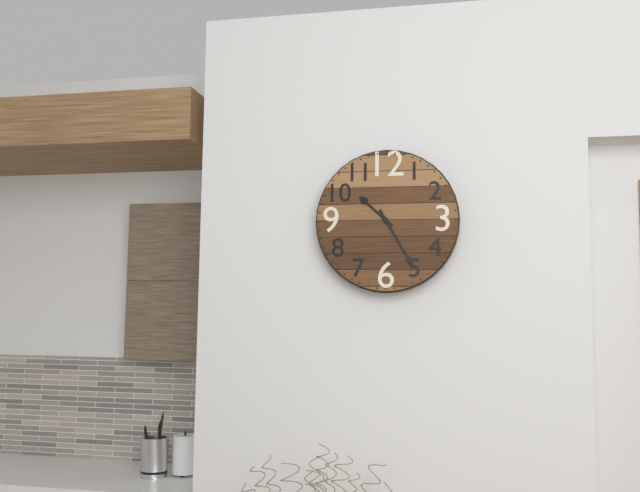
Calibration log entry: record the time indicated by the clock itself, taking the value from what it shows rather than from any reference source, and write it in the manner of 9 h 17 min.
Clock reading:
10 h 25 min
